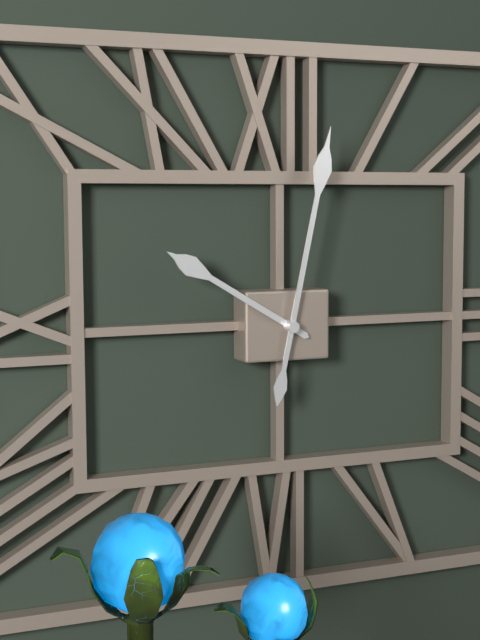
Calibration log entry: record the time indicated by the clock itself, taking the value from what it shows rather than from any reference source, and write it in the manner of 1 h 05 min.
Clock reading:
10 h 02 min
